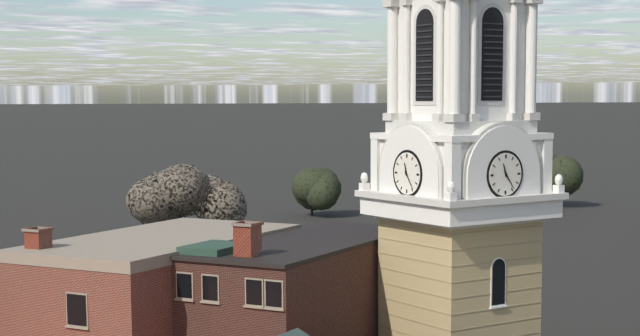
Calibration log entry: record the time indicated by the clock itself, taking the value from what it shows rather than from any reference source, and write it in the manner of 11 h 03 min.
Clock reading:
11 h 24 min
